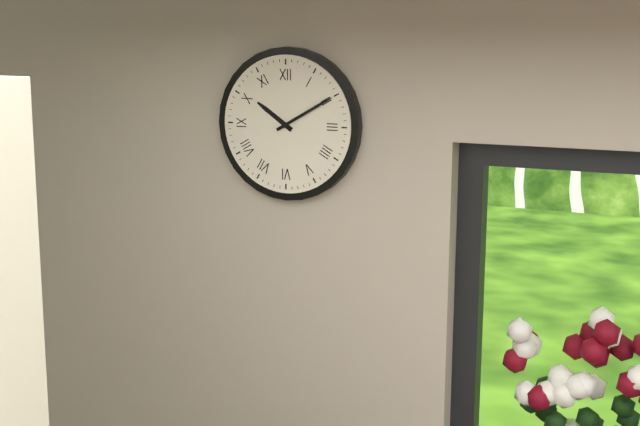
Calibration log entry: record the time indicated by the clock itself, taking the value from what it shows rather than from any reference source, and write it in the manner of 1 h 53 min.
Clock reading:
10 h 10 min
